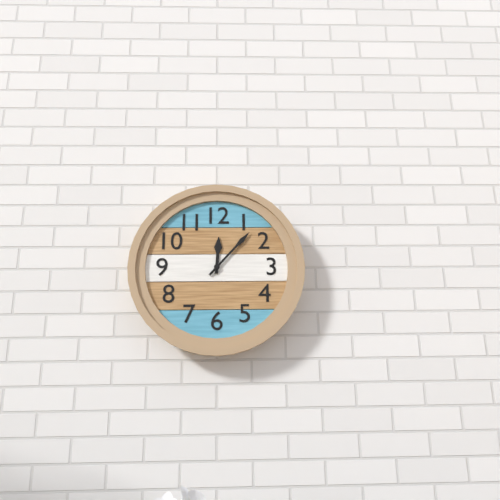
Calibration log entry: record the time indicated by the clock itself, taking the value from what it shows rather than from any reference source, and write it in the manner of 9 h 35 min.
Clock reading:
12 h 07 min
